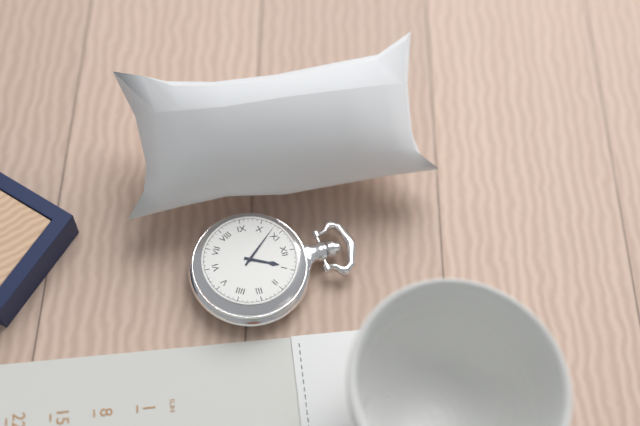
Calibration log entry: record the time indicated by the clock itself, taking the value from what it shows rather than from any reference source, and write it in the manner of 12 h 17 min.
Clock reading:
12 h 53 min
